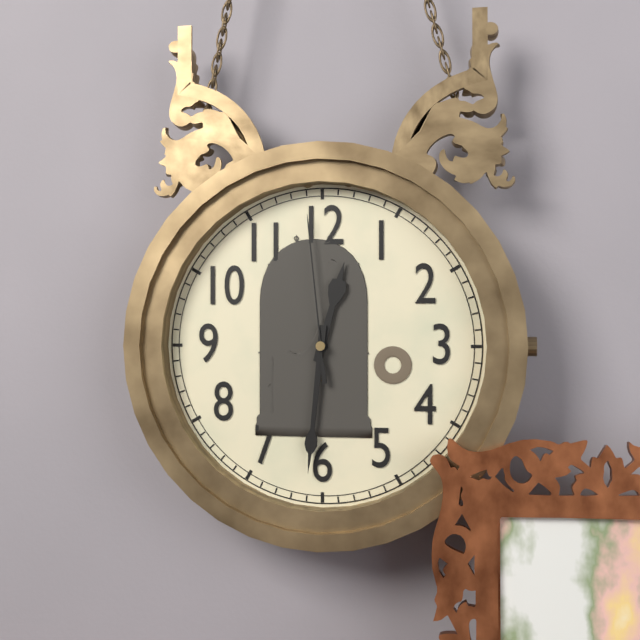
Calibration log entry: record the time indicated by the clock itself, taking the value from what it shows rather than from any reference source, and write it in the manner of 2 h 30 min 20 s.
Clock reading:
12 h 31 min 59 s
